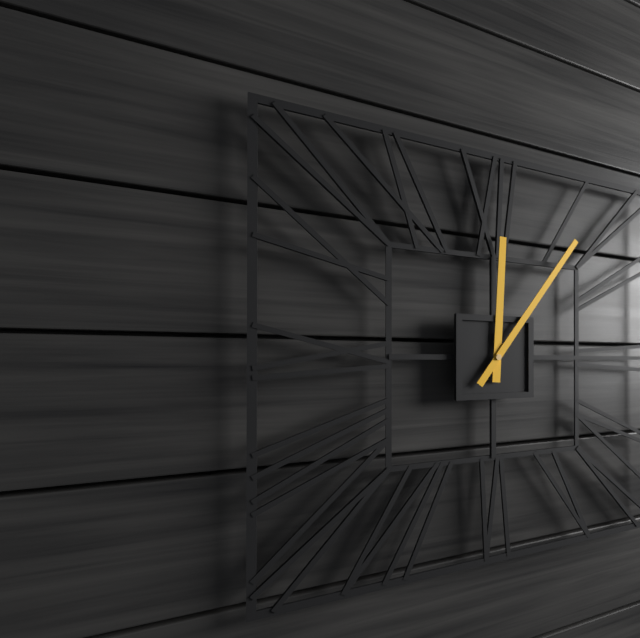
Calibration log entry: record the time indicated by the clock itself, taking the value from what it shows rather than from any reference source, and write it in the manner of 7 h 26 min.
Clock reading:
12 h 06 min
